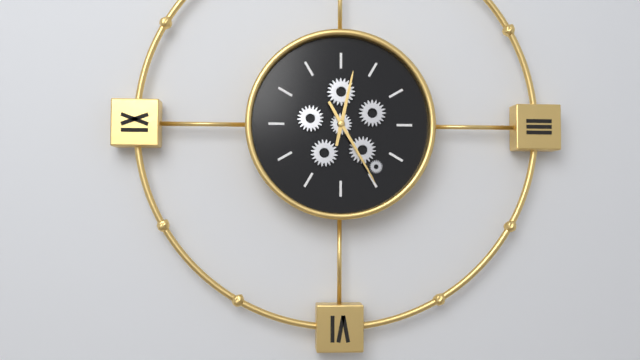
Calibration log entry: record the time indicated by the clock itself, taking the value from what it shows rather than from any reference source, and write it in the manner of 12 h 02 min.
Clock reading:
12 h 25 min
